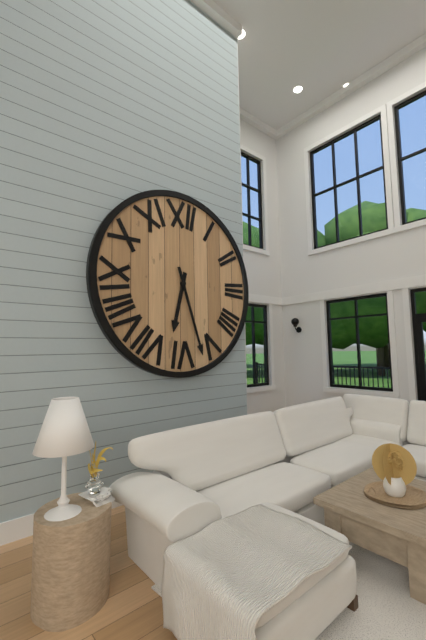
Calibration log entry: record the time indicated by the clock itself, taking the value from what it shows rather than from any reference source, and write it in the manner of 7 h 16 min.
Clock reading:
6 h 27 min
